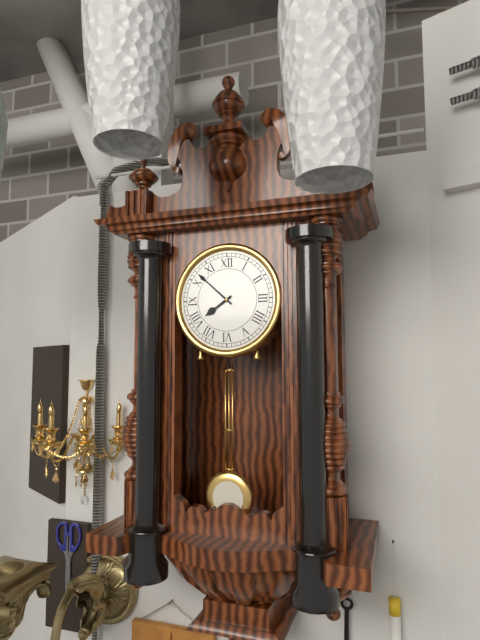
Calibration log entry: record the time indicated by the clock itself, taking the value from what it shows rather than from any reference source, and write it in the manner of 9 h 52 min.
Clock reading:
7 h 52 min
